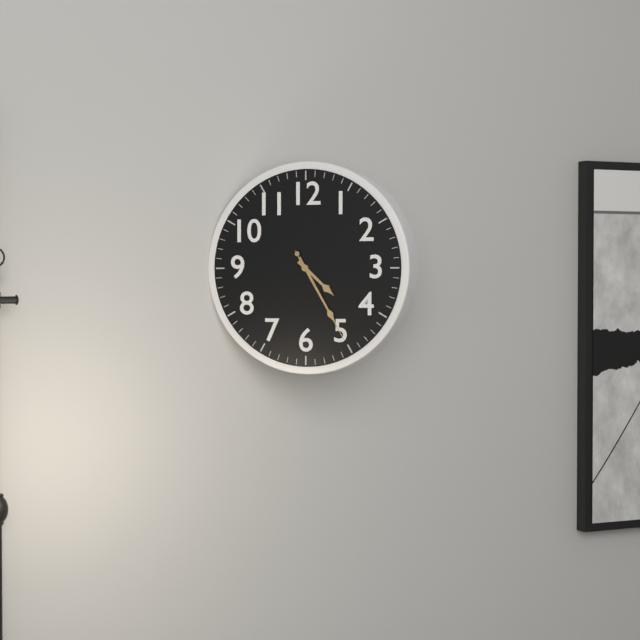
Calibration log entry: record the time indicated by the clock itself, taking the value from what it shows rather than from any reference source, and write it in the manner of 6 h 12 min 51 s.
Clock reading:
4 h 25 min 25 s
